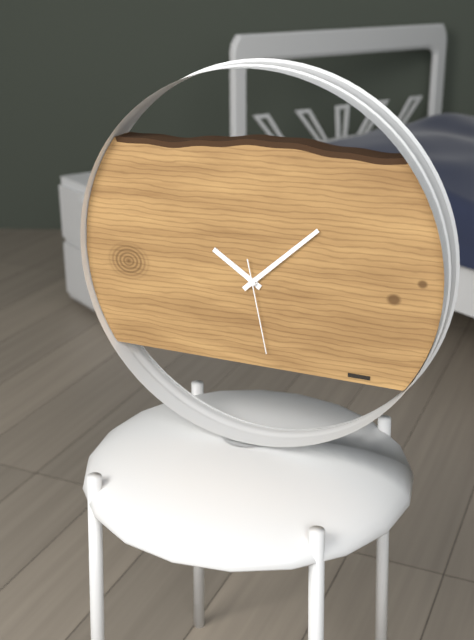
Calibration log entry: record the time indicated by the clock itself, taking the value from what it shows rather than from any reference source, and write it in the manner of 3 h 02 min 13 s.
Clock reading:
10 h 08 min 28 s
